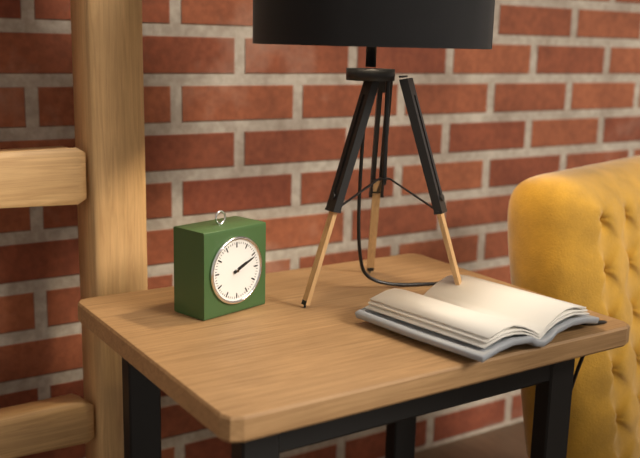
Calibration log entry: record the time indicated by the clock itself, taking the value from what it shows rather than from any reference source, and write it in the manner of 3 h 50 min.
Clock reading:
2 h 11 min
